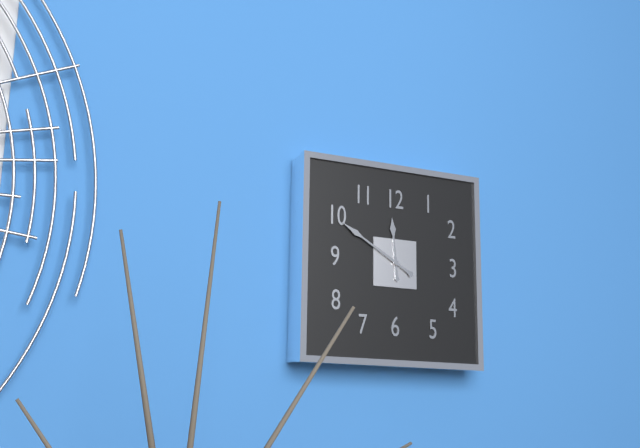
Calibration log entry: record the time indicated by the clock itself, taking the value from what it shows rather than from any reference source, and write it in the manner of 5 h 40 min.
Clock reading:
11 h 50 min
